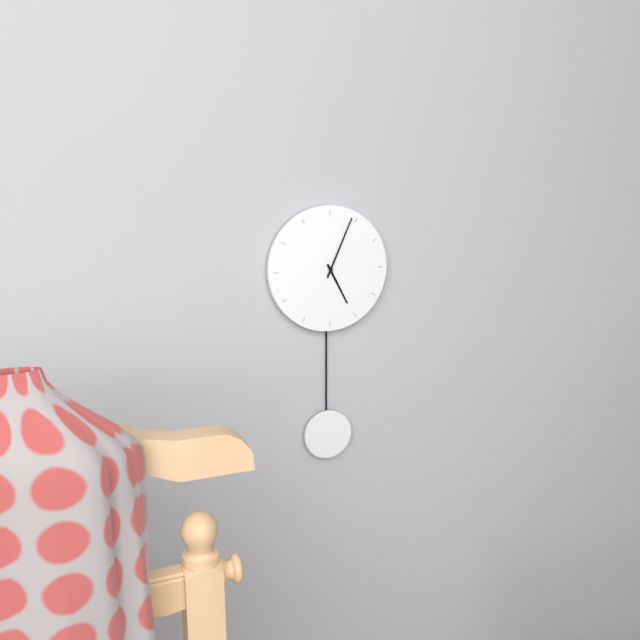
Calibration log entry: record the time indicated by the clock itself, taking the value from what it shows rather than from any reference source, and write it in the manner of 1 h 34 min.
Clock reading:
5 h 04 min
